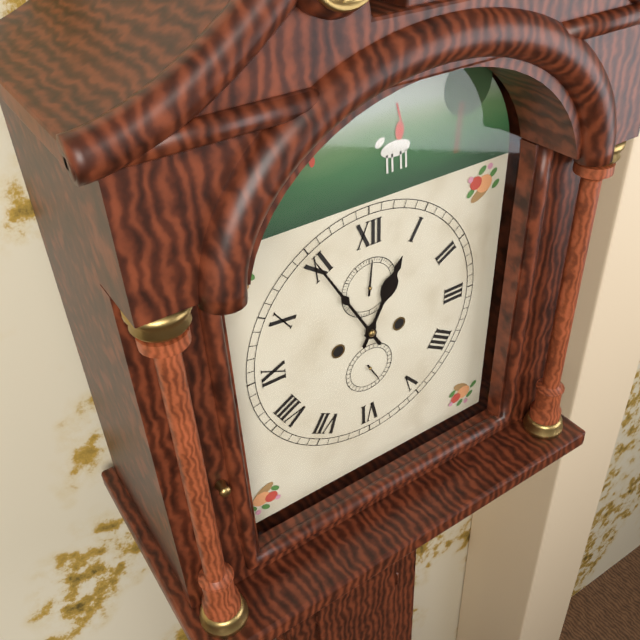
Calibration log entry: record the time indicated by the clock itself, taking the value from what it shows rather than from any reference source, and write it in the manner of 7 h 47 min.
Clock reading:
12 h 55 min
